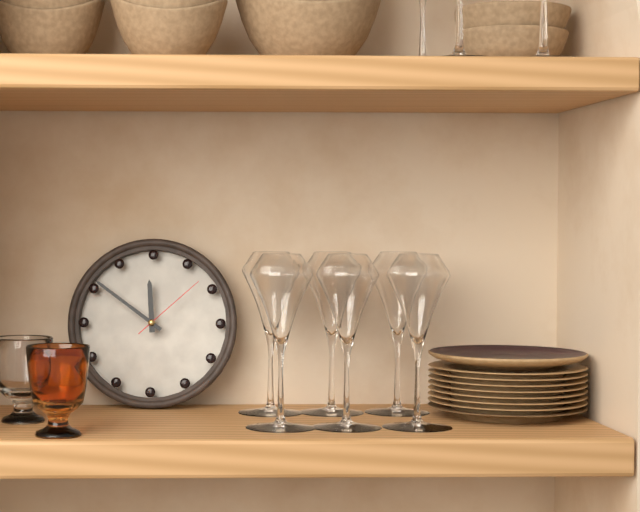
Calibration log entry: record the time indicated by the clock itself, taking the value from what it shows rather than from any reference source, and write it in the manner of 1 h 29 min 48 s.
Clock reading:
11 h 51 min 08 s
